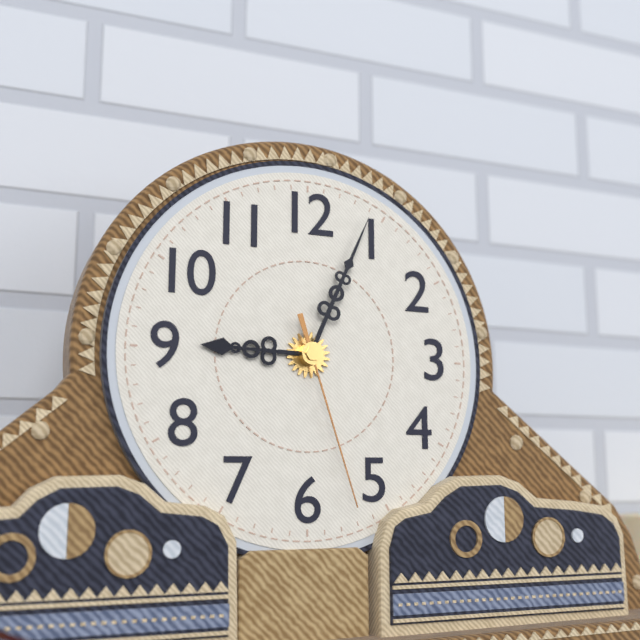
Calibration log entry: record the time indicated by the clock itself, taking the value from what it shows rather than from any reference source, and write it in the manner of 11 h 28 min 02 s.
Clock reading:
9 h 04 min 27 s
